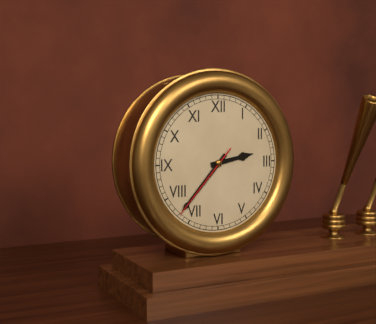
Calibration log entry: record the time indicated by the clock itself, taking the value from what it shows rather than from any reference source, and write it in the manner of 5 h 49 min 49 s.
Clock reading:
2 h 37 min 37 s
